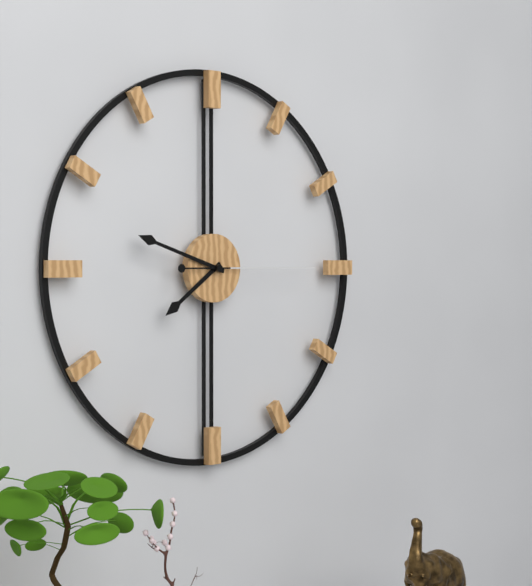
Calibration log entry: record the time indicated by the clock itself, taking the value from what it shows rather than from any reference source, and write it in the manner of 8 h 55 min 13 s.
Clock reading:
7 h 48 min 15 s
